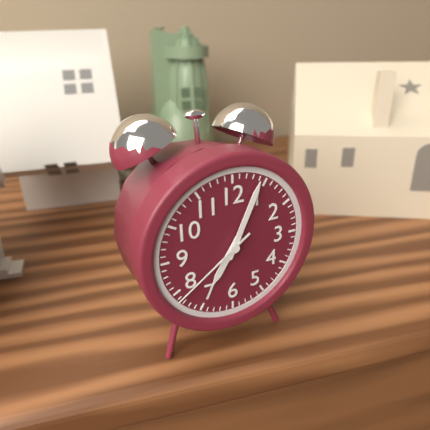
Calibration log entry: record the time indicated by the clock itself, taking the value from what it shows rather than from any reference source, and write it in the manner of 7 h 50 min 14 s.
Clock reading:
7 h 04 min 39 s
